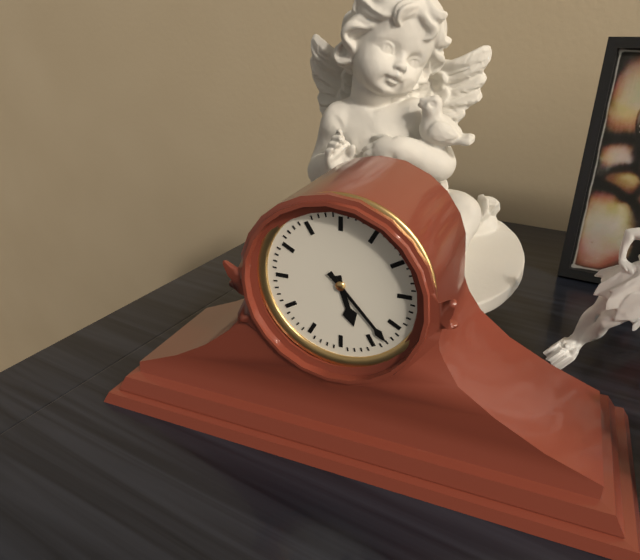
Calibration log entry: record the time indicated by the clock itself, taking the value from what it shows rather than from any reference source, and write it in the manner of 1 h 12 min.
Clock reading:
5 h 23 min
